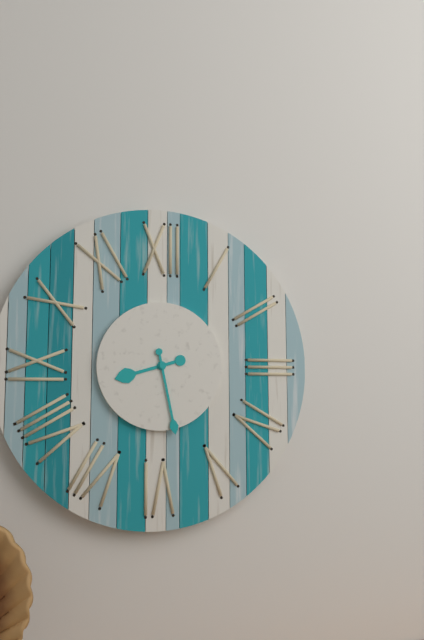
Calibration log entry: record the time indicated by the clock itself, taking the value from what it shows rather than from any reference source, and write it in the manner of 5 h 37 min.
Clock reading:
8 h 28 min
